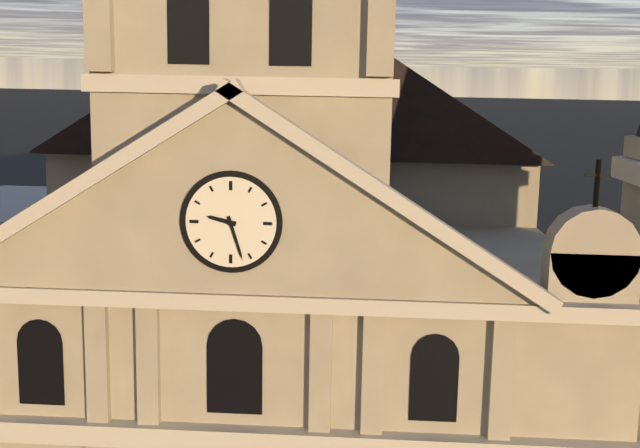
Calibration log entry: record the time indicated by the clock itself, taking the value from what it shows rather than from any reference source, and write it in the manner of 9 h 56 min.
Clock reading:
9 h 27 min
